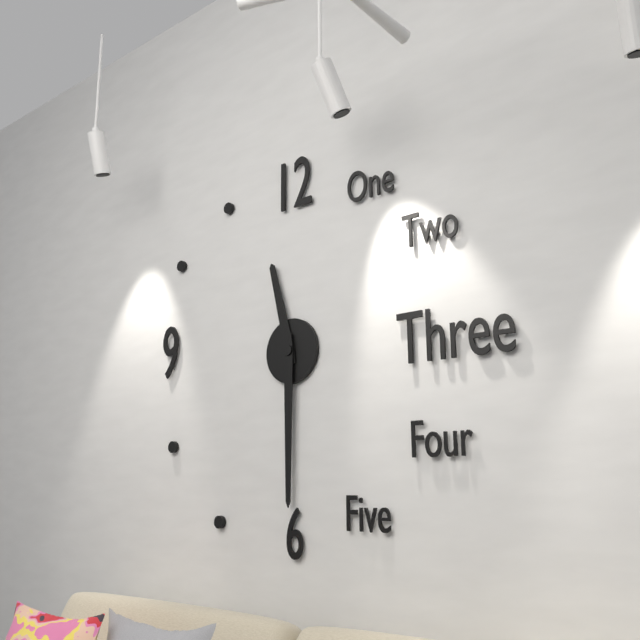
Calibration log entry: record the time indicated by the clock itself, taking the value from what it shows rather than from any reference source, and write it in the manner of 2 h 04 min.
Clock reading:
11 h 30 min
